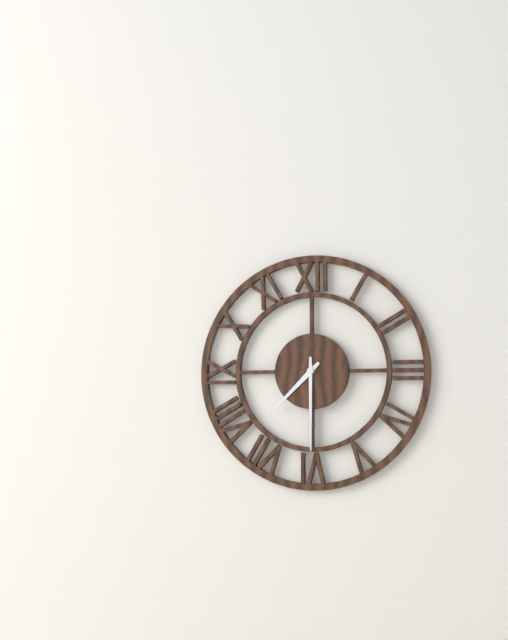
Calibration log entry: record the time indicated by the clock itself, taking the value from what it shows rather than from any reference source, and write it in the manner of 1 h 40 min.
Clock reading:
7 h 30 min
